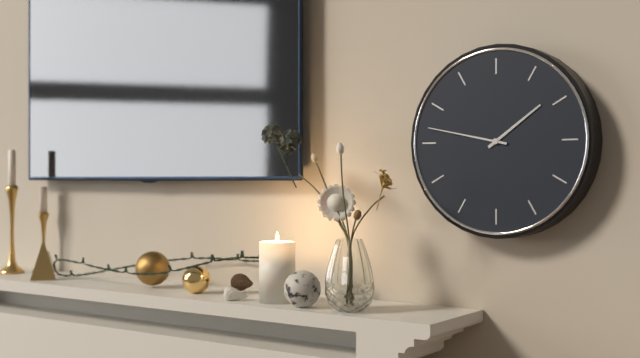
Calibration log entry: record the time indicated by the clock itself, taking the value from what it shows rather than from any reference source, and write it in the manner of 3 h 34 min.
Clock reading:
1 h 47 min
